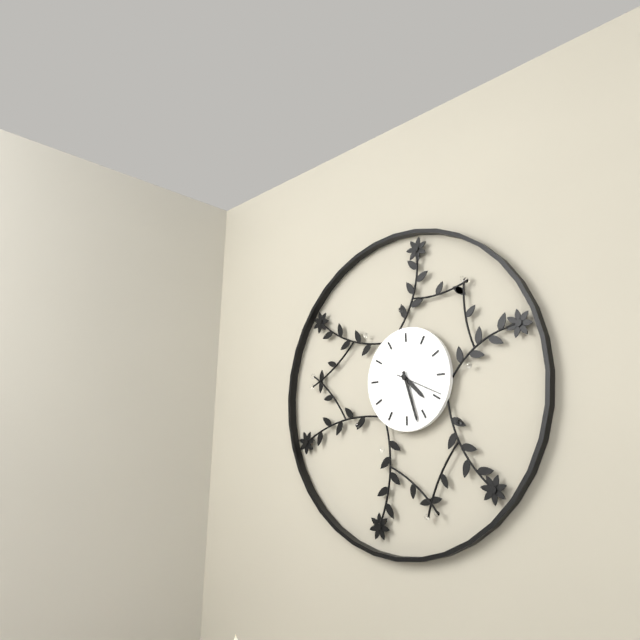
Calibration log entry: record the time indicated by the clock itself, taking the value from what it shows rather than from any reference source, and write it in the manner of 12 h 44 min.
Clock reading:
4 h 27 min
